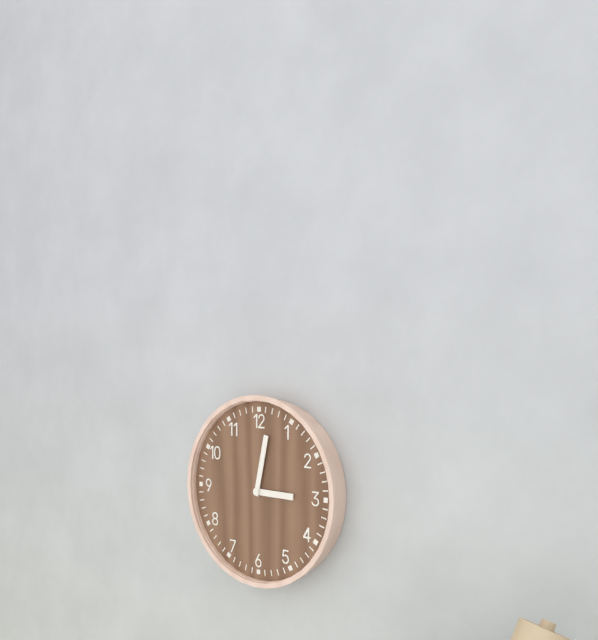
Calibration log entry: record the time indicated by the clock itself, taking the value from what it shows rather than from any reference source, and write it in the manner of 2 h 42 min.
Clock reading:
3 h 02 min
